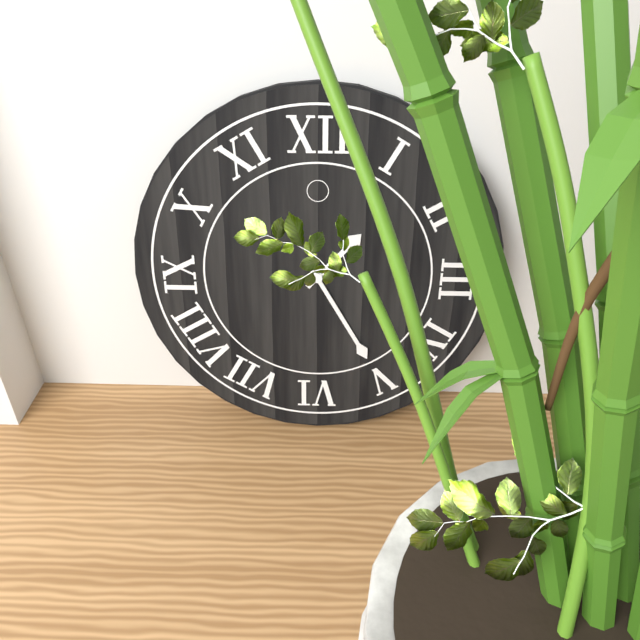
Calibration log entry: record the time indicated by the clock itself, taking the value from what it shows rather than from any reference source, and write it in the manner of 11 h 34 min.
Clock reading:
1 h 25 min
